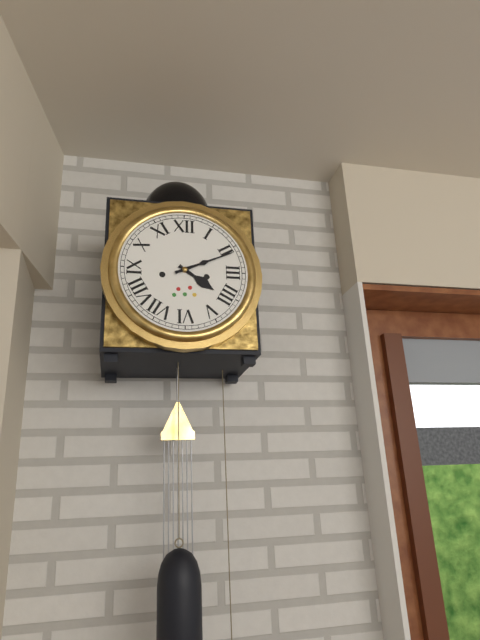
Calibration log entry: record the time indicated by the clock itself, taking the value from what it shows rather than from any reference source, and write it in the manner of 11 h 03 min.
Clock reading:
4 h 11 min
